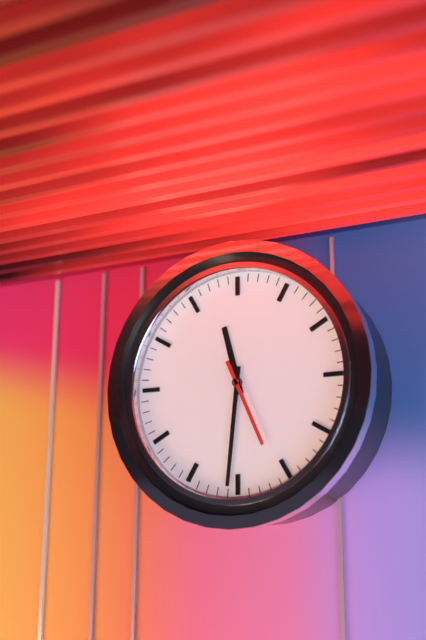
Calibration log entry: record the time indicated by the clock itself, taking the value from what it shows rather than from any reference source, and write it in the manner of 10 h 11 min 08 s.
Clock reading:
11 h 31 min 26 s
